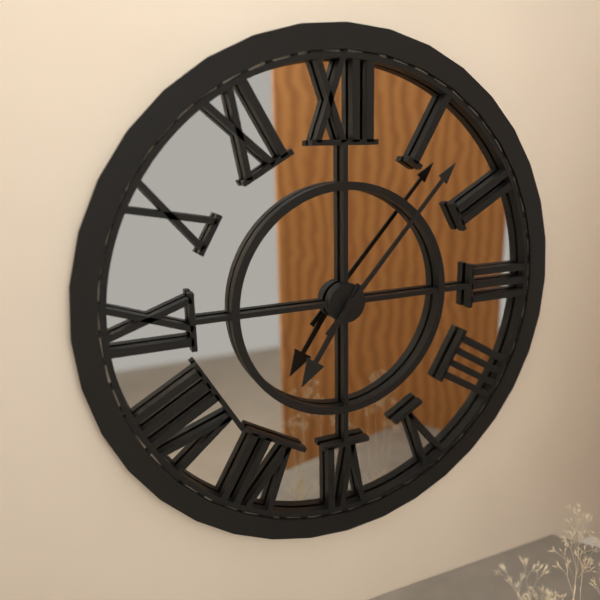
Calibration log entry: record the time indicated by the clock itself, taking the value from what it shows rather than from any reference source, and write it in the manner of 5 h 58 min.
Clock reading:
7 h 07 min
